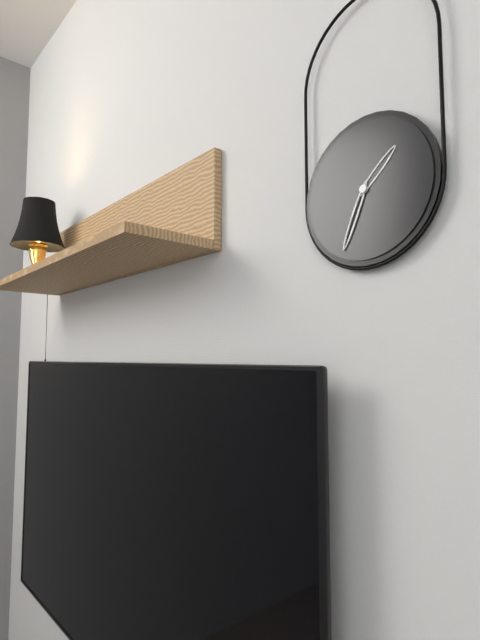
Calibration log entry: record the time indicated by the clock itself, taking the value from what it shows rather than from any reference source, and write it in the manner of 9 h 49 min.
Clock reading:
1 h 34 min
